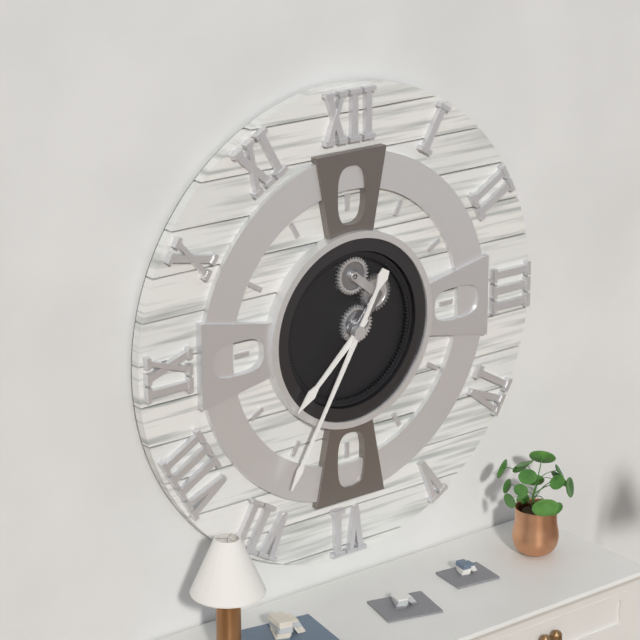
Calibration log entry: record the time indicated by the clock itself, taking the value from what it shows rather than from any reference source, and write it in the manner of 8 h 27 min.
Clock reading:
7 h 35 min
